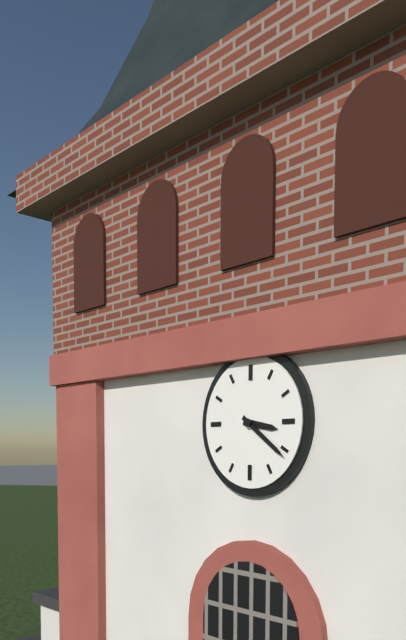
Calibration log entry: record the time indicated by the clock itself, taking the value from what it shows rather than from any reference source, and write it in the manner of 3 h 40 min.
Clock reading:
3 h 21 min
